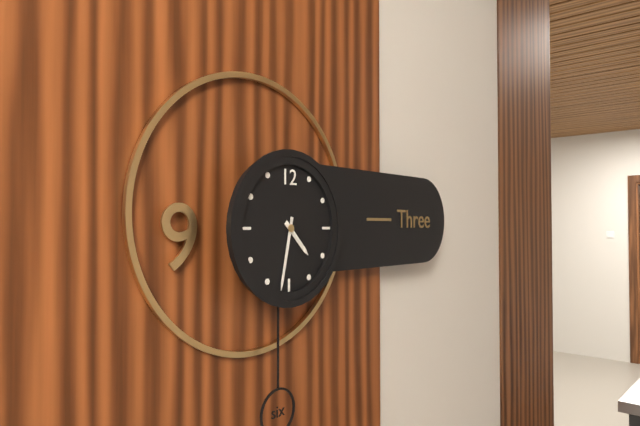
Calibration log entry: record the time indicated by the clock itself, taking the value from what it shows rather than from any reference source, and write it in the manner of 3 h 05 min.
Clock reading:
4 h 32 min
